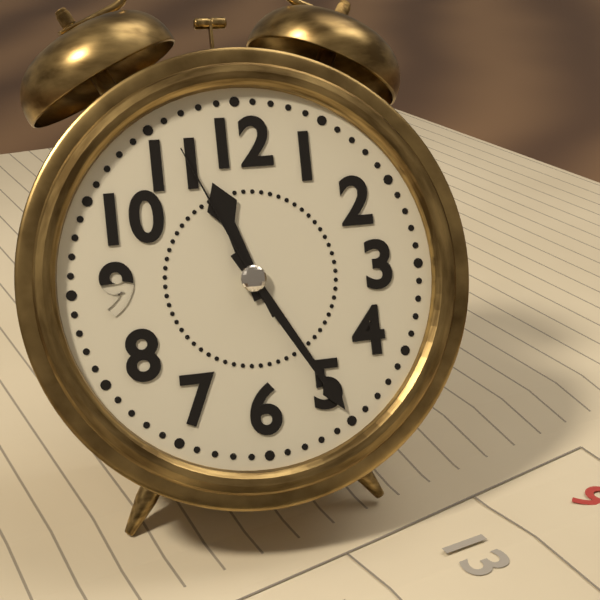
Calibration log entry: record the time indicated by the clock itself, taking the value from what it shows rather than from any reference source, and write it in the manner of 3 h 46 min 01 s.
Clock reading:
11 h 25 min 56 s
